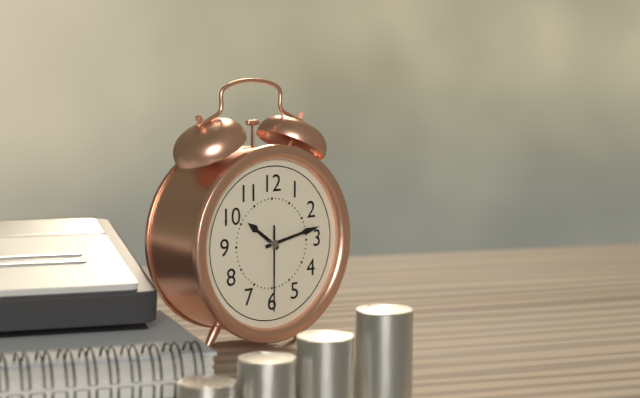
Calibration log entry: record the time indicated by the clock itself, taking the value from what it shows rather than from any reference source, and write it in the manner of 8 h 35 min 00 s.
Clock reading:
10 h 13 min 30 s
